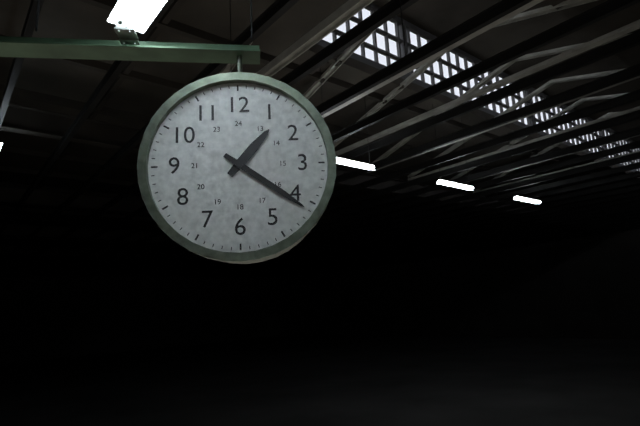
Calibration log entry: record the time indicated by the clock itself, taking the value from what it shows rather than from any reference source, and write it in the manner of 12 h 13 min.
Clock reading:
1 h 21 min
